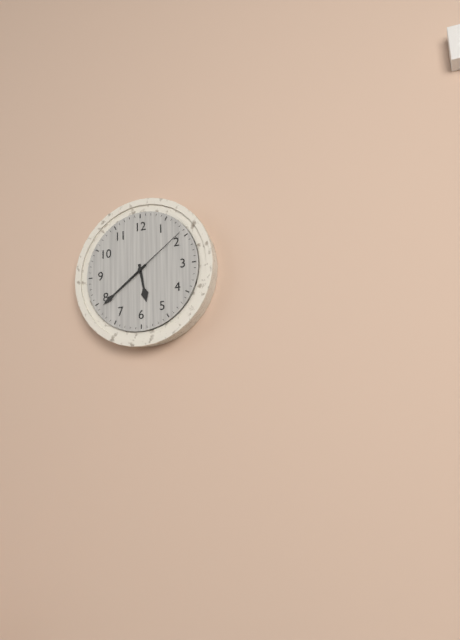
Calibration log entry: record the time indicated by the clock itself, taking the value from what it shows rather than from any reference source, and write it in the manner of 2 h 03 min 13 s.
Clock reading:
5 h 39 min 09 s
